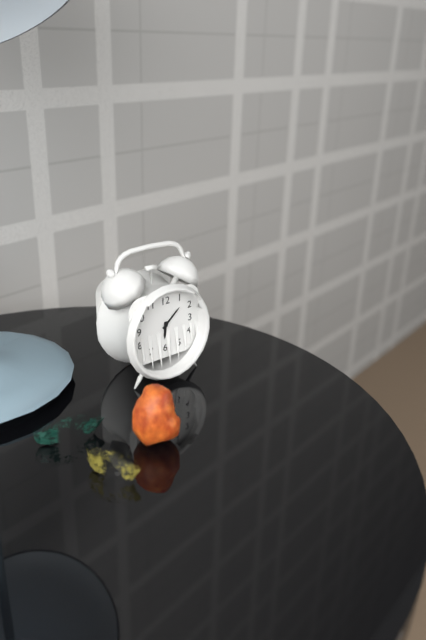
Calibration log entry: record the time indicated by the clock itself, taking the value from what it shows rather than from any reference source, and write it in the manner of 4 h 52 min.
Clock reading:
6 h 08 min
